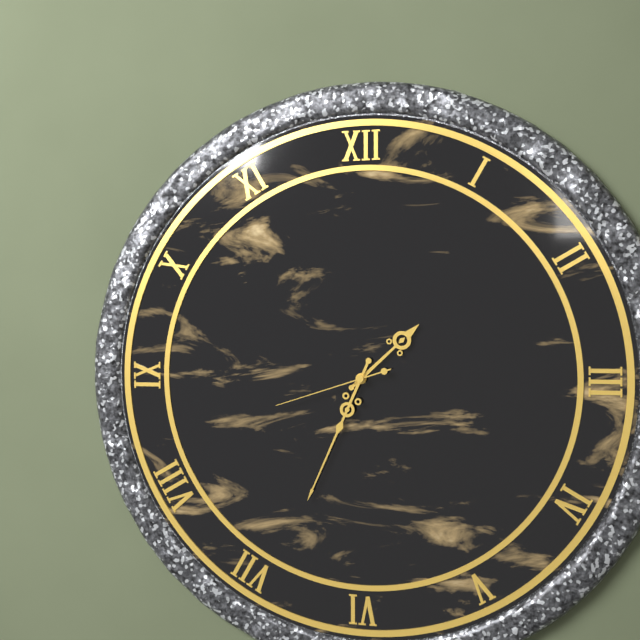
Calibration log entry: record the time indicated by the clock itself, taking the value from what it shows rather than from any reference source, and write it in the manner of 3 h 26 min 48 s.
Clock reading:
1 h 34 min 42 s
